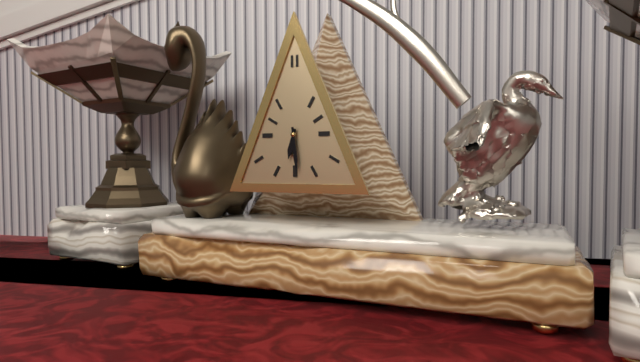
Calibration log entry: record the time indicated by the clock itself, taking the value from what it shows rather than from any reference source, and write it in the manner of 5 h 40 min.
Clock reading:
6 h 29 min
